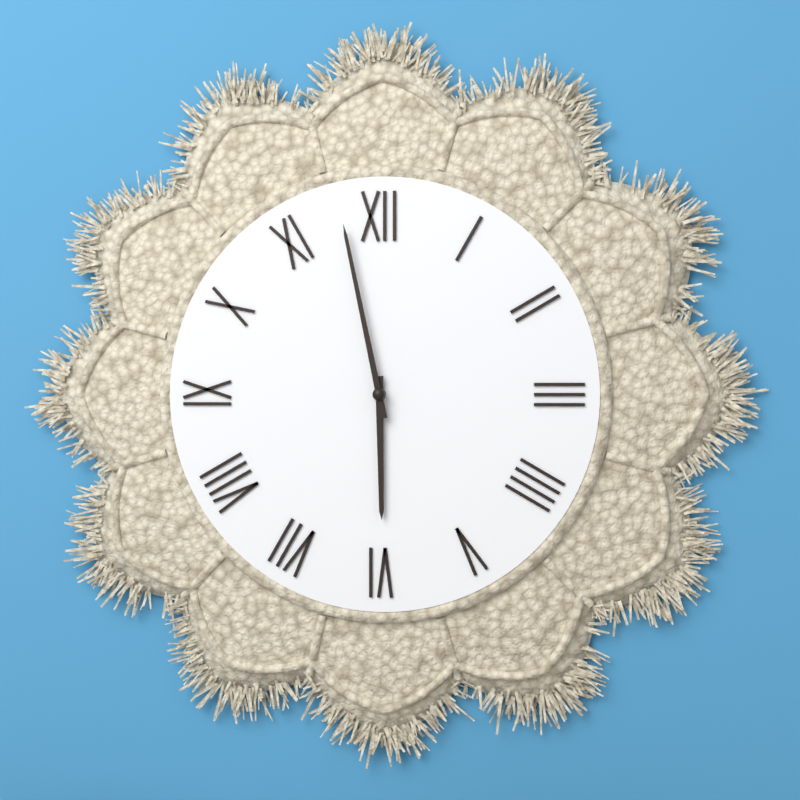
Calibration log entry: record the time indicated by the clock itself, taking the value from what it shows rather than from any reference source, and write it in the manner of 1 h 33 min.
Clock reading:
5 h 58 min
